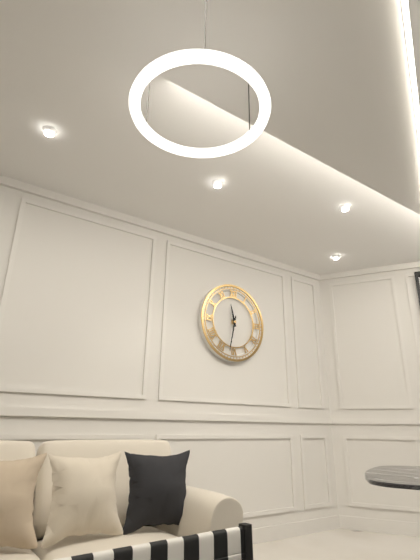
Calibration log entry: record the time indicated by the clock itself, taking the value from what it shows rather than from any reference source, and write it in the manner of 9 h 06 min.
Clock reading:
11 h 32 min
